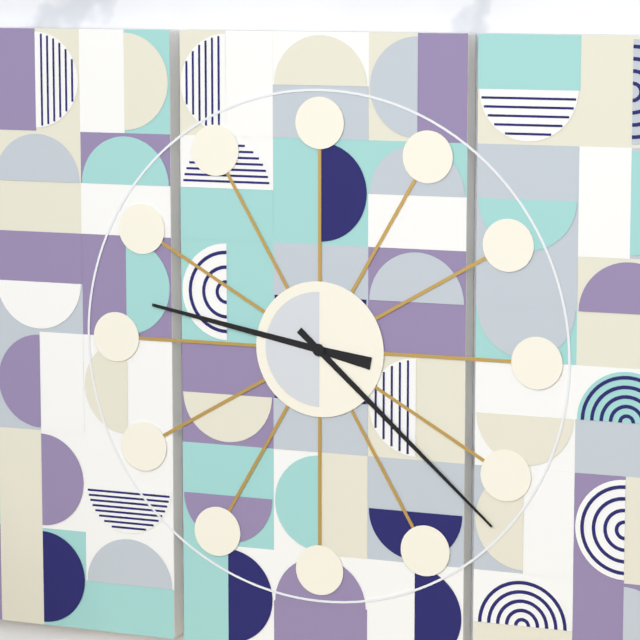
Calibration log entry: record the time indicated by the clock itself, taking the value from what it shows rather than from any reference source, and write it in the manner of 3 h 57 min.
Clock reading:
9 h 22 min
